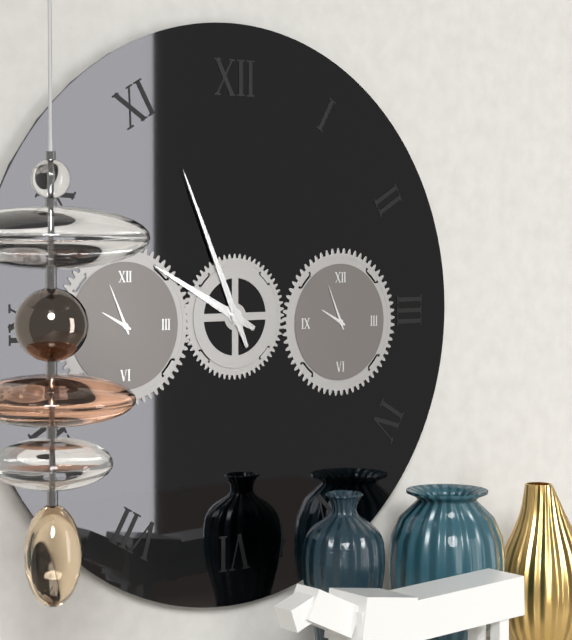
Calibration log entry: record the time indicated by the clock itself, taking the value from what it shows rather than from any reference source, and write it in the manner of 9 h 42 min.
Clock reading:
9 h 56 min
